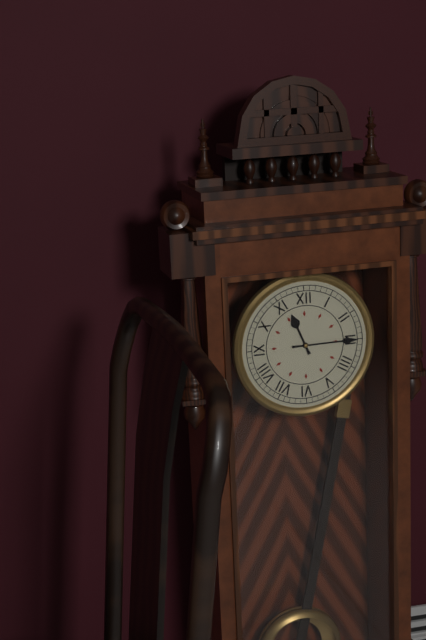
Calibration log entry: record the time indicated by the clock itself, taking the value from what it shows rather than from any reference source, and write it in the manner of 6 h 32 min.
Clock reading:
11 h 15 min
